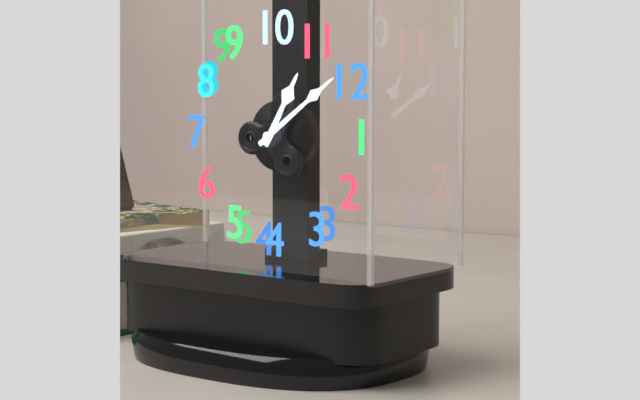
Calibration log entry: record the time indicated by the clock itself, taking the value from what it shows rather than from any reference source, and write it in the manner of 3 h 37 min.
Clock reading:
10 h 59 min
